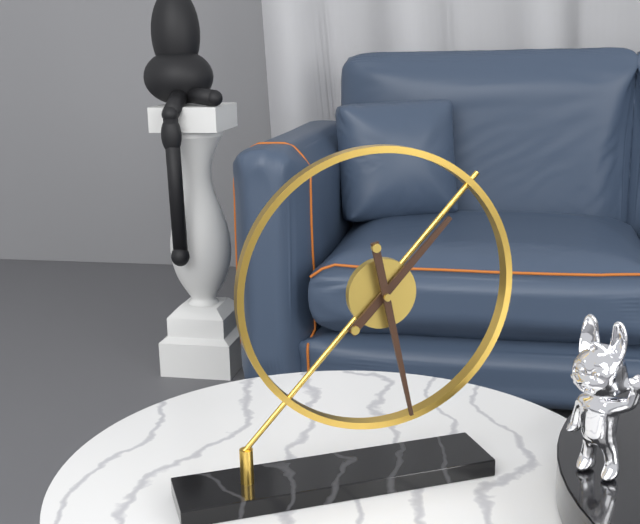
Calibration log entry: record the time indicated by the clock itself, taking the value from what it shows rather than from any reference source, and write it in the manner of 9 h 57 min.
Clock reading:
1 h 28 min
